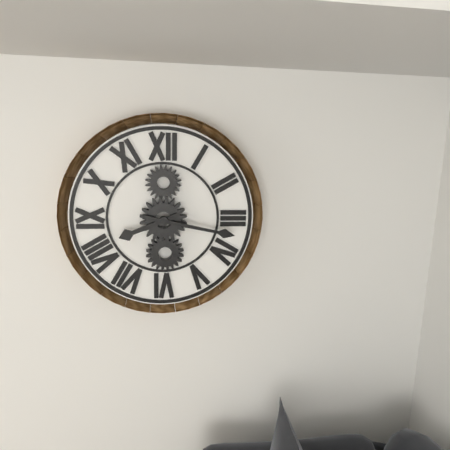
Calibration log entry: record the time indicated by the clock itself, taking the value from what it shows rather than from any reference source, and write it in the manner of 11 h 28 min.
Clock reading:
8 h 17 min
